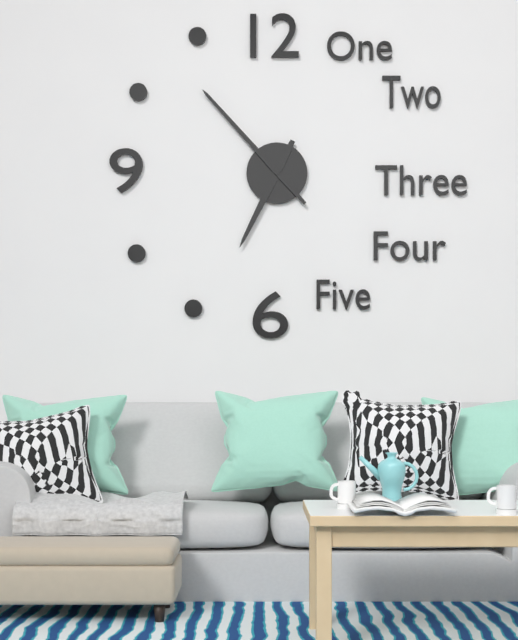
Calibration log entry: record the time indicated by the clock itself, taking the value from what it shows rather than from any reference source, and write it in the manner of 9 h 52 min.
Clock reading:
6 h 53 min
